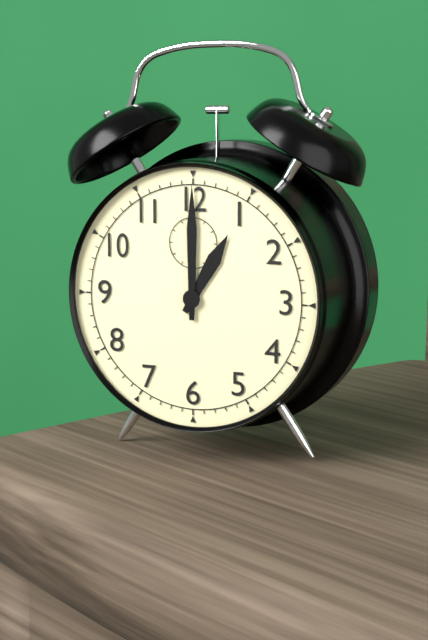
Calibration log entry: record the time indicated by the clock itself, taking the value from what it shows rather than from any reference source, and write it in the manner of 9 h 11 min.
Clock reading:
1 h 00 min
